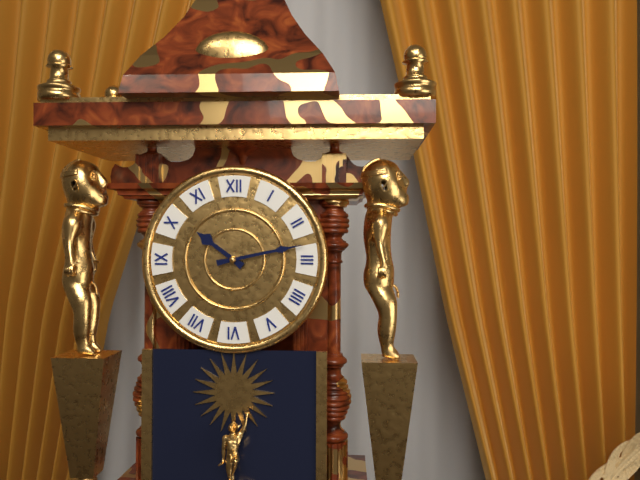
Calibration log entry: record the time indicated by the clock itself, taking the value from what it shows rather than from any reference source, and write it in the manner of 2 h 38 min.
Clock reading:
10 h 13 min
